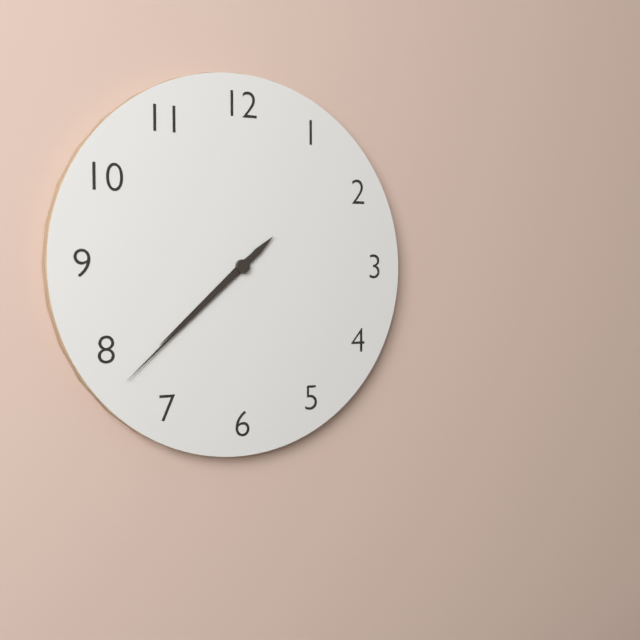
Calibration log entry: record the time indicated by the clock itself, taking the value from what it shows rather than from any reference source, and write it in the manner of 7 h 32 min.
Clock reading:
7 h 38 min
